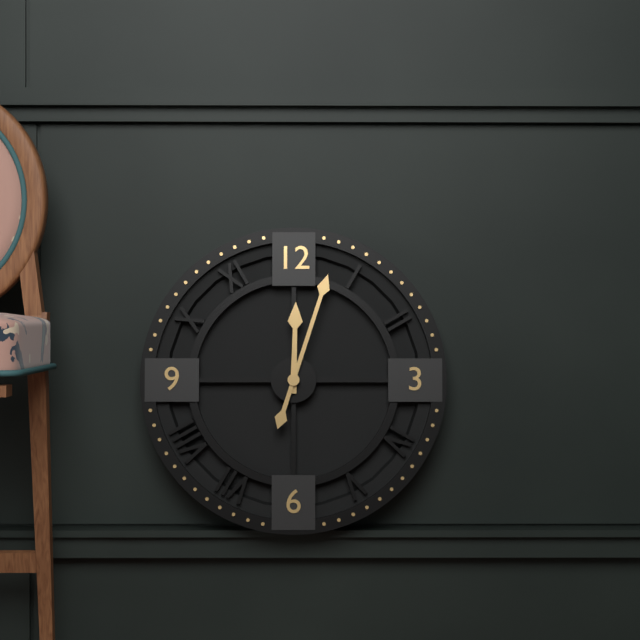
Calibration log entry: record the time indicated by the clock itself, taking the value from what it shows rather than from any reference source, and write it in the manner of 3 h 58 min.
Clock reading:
12 h 03 min
